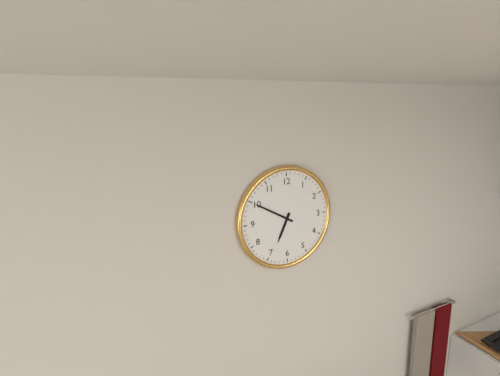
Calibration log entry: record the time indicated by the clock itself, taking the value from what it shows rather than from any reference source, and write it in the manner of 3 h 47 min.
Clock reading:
6 h 50 min
